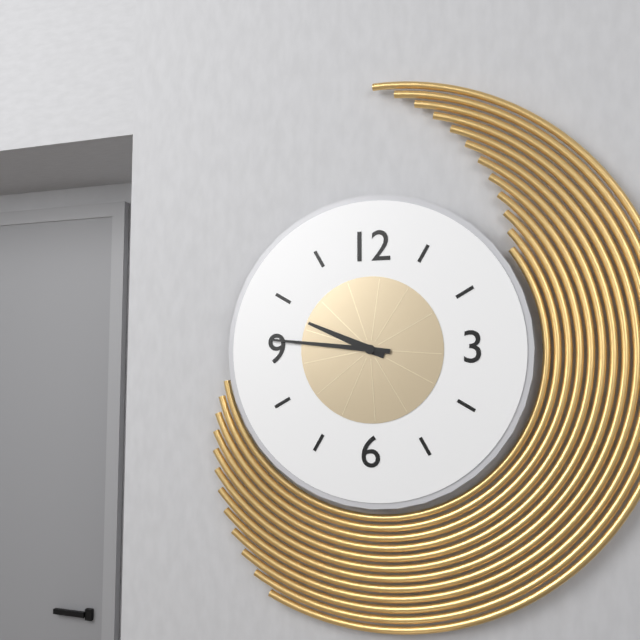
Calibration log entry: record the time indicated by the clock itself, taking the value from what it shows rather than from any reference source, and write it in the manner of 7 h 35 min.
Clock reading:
9 h 46 min
